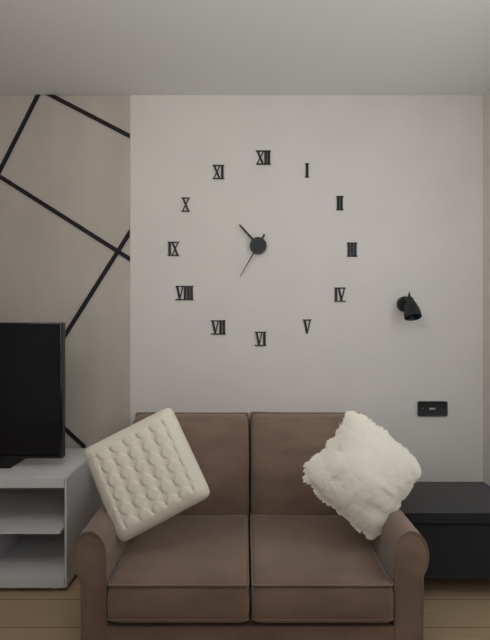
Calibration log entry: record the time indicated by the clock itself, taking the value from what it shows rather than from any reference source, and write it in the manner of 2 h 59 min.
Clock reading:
10 h 35 min
